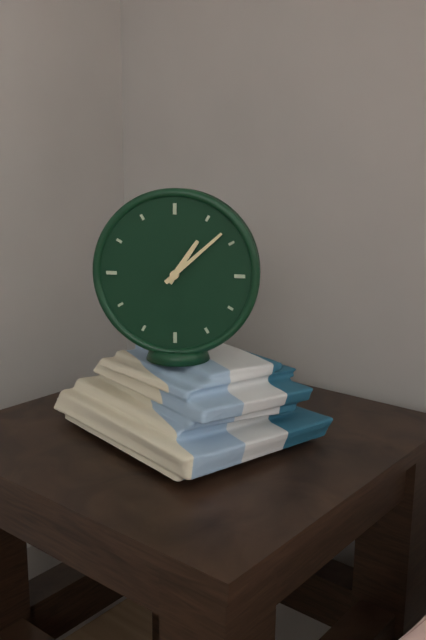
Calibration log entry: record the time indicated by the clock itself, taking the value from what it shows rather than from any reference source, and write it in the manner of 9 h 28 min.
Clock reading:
1 h 08 min
